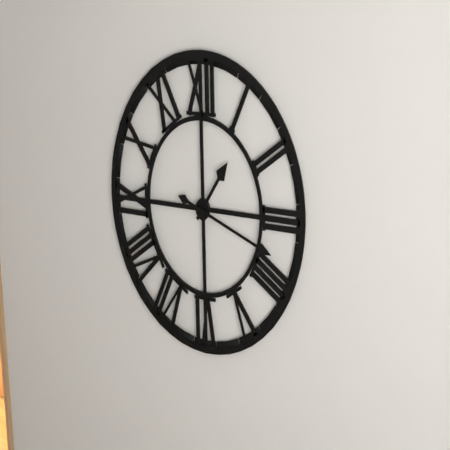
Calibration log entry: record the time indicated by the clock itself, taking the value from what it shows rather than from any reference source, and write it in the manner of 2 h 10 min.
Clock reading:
1 h 18 min
